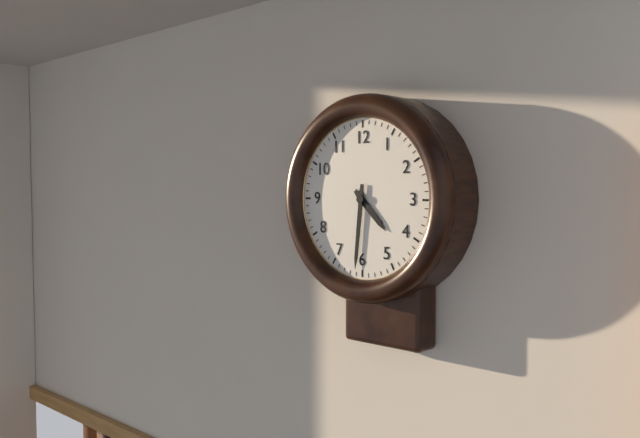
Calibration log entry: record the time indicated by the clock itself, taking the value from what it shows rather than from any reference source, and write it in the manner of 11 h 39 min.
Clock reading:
4 h 31 min
